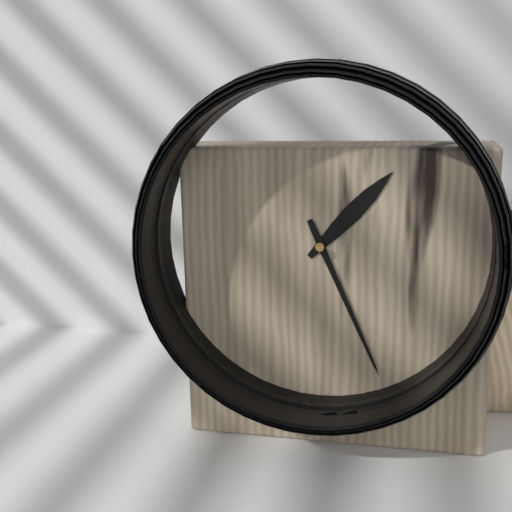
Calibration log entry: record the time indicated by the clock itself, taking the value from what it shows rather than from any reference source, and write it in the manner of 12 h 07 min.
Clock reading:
1 h 26 min
